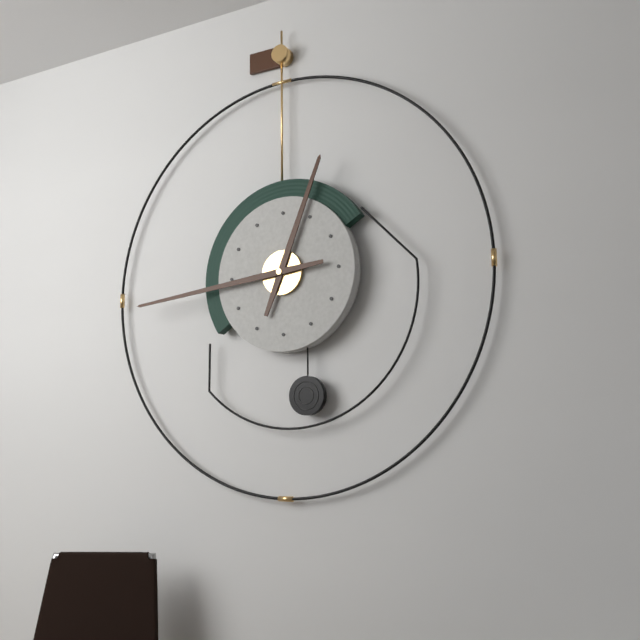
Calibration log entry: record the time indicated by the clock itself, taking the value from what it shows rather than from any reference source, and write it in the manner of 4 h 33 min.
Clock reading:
12 h 44 min
